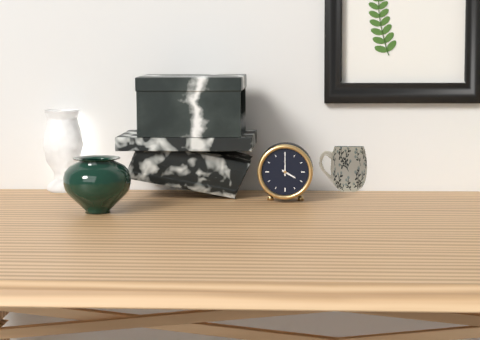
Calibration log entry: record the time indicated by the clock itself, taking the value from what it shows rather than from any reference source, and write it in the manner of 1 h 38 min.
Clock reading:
4 h 00 min
